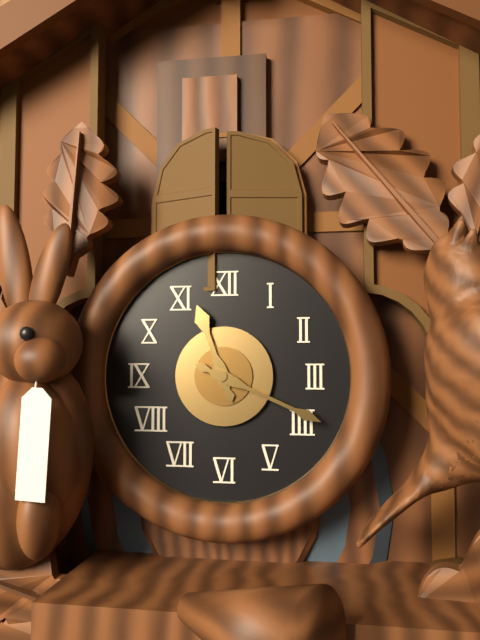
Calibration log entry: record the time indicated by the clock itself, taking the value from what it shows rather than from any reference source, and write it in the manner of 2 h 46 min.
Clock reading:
11 h 19 min
